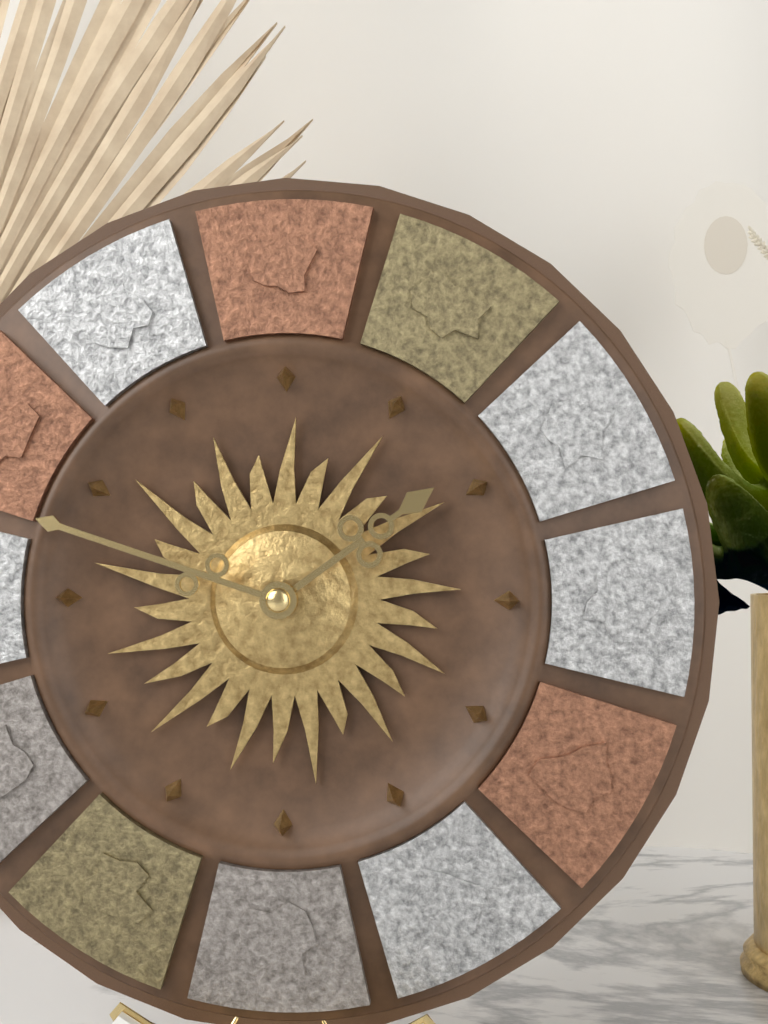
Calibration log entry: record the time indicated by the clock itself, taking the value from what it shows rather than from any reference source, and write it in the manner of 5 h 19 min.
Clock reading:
1 h 48 min
